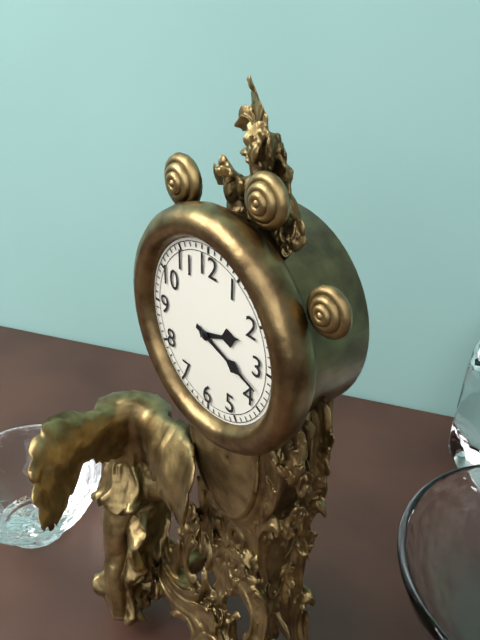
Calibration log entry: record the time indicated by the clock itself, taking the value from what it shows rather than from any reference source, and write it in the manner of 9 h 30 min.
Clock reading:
2 h 18 min
